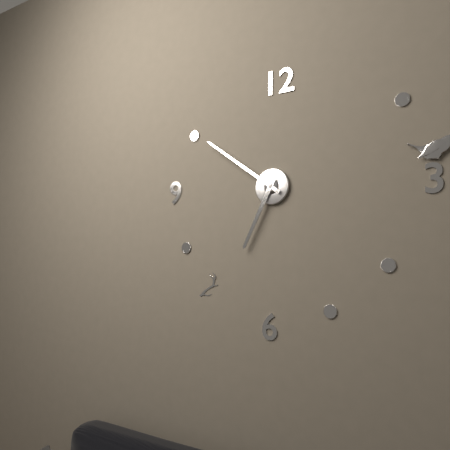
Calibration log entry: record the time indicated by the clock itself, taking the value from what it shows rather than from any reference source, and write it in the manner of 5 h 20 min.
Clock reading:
6 h 51 min
